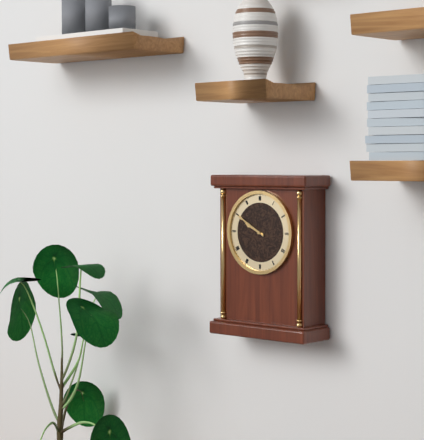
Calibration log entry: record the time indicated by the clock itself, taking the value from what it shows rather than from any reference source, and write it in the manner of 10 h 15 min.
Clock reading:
9 h 50 min
